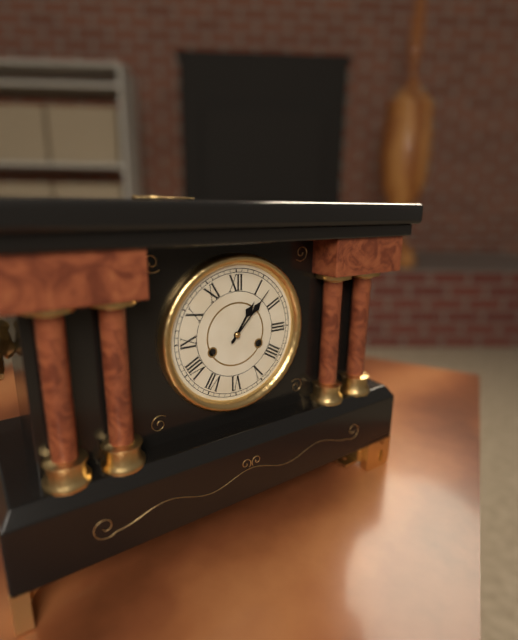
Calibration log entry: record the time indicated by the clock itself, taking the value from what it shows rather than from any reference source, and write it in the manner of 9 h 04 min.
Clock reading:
1 h 07 min
